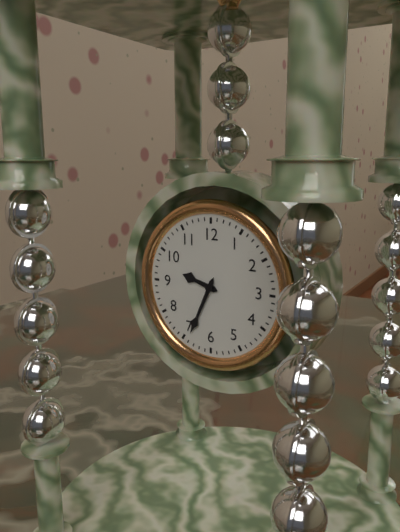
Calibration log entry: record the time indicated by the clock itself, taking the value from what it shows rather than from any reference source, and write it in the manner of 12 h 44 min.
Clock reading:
9 h 34 min
